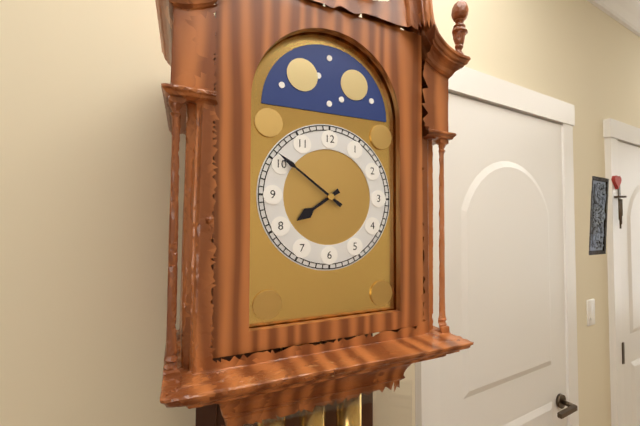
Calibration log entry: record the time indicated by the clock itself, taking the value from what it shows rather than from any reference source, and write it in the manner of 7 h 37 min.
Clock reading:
7 h 51 min
